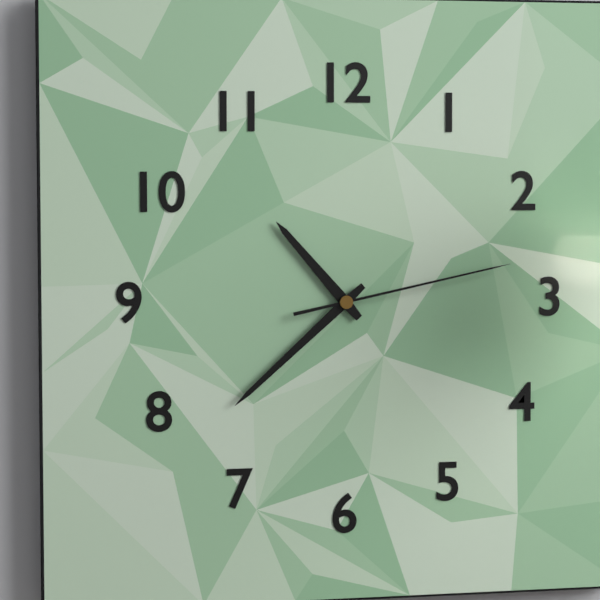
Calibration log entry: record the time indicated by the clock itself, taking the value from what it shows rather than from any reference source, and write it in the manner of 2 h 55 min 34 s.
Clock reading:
10 h 38 min 13 s
